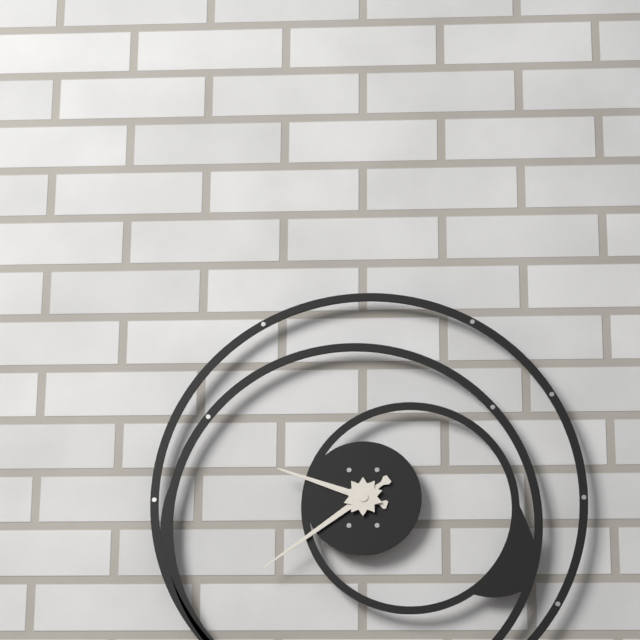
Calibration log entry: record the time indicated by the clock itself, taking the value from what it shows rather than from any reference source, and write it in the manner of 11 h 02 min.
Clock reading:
9 h 39 min
